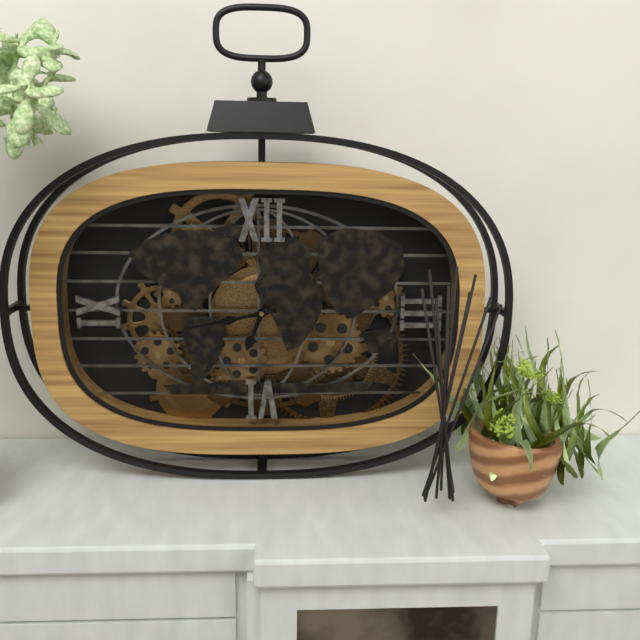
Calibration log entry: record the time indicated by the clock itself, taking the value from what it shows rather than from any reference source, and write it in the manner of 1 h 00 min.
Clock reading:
6 h 43 min
